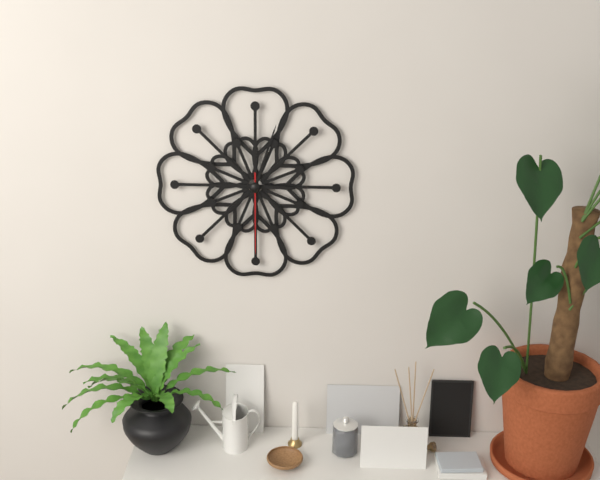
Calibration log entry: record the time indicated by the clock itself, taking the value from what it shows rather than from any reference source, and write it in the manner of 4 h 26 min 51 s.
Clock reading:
3 h 03 min 30 s
